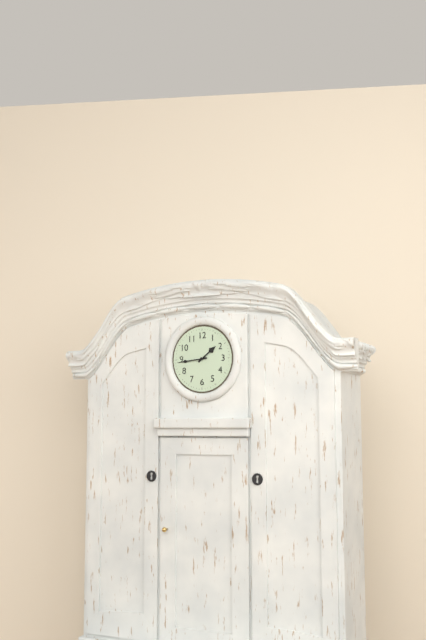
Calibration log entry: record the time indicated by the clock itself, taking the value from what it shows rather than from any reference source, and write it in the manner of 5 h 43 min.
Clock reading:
1 h 44 min
